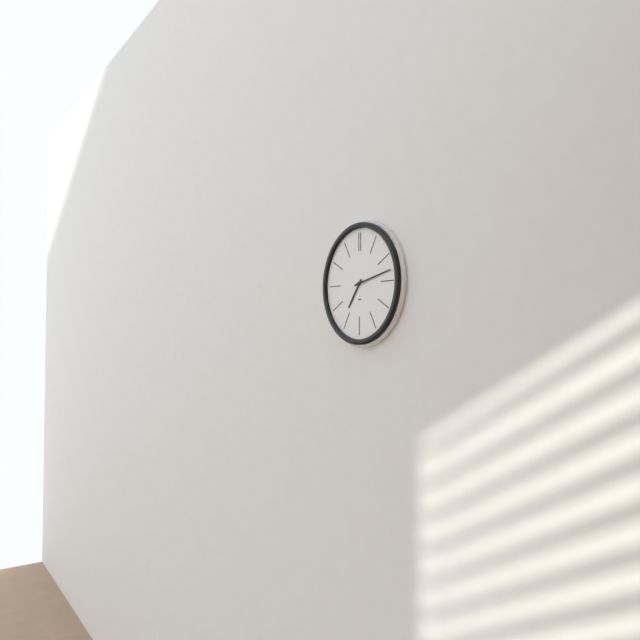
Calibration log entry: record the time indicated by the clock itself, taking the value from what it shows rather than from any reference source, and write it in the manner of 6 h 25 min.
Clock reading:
7 h 13 min
